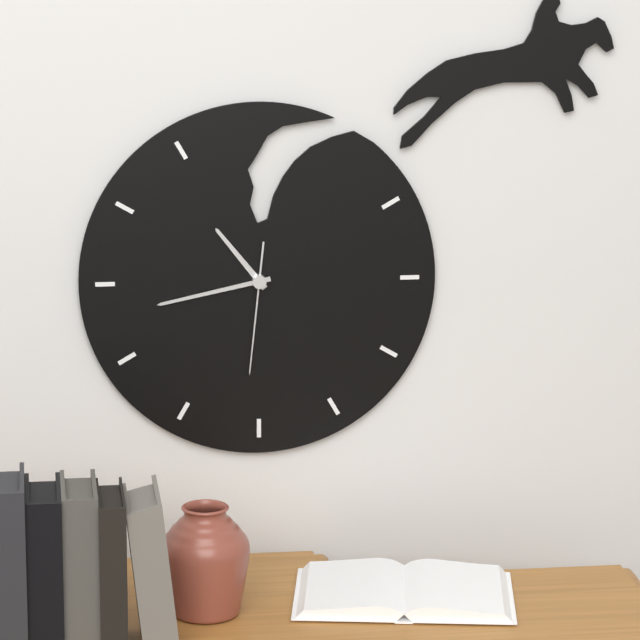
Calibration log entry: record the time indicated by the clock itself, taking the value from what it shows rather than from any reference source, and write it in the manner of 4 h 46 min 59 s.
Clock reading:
10 h 43 min 31 s
